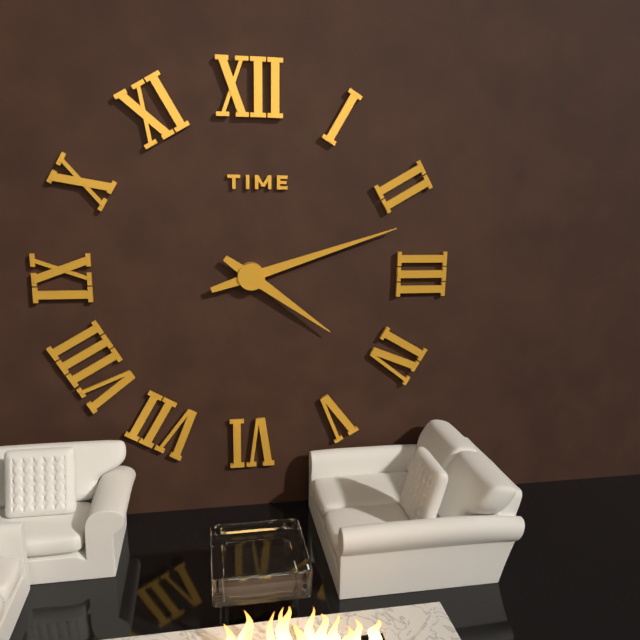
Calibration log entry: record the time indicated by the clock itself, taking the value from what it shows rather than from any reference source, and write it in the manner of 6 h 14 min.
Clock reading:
4 h 12 min
